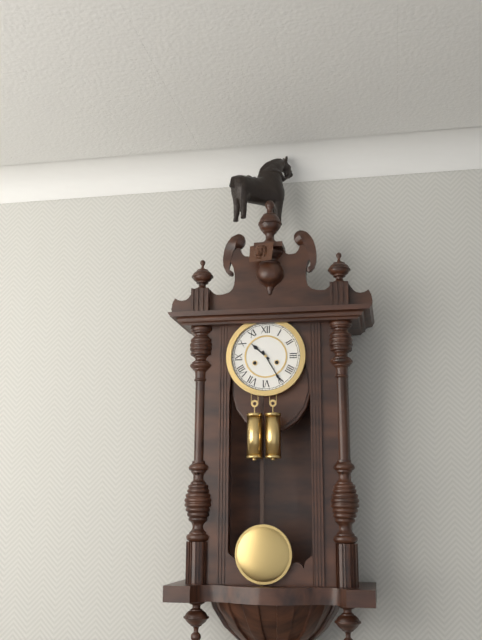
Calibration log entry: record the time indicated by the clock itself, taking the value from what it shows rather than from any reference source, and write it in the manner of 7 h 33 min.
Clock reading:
10 h 25 min
